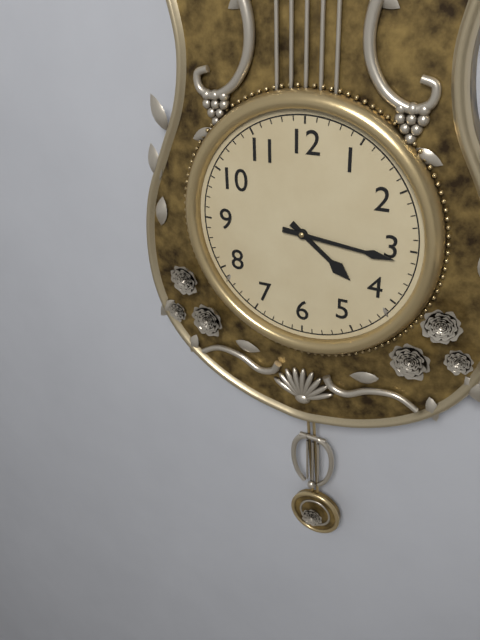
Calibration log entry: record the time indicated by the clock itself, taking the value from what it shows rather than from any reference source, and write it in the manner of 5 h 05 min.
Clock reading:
4 h 16 min
